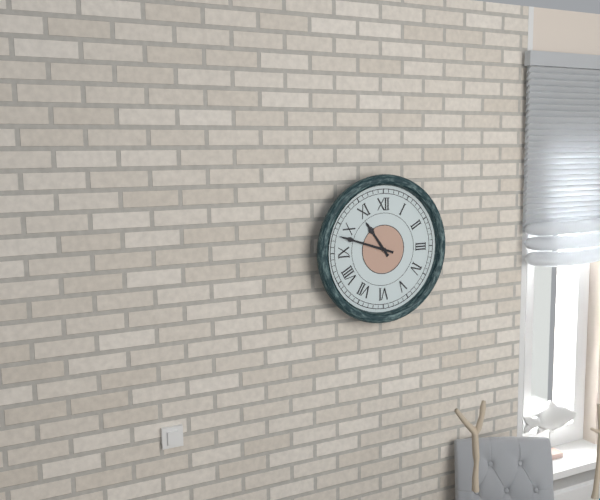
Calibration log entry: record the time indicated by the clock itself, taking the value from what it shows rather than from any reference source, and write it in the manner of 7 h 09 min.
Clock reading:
10 h 48 min
